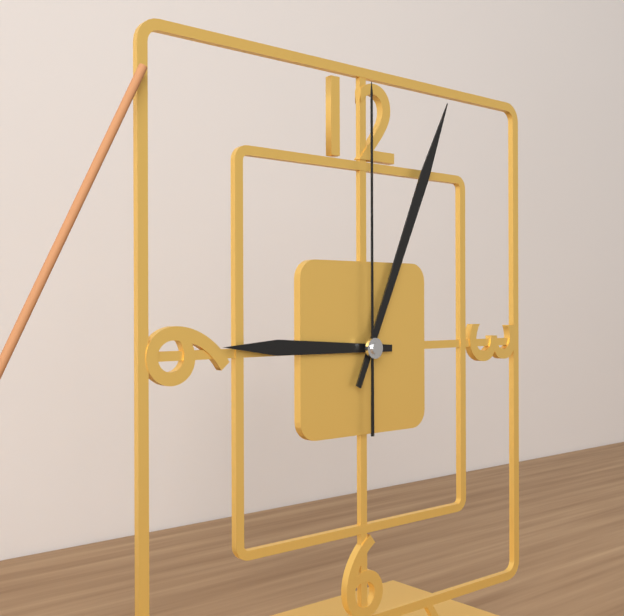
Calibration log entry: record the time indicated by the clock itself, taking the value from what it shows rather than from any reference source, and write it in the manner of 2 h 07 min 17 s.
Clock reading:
9 h 04 min 00 s
